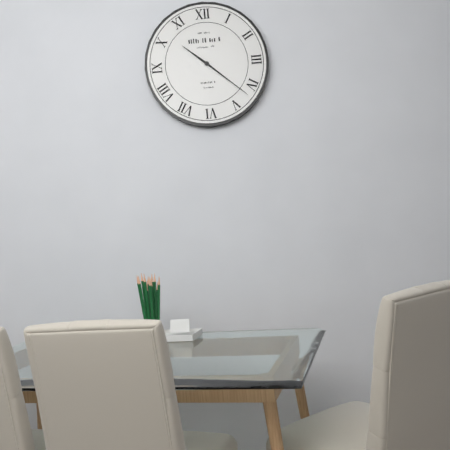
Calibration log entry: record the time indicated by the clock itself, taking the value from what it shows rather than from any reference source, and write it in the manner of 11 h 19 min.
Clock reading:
10 h 22 min
